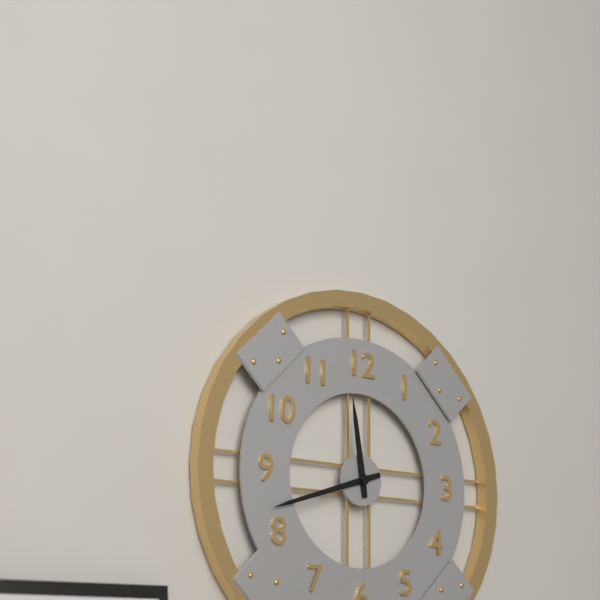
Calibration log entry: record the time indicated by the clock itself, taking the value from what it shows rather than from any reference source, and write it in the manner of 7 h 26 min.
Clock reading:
11 h 42 min
